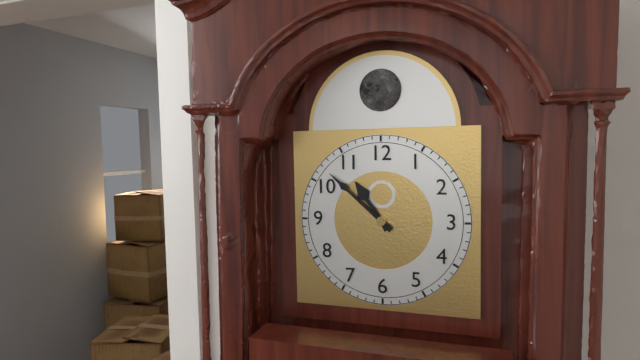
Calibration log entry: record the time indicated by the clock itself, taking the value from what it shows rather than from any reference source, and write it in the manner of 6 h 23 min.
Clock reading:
10 h 52 min
